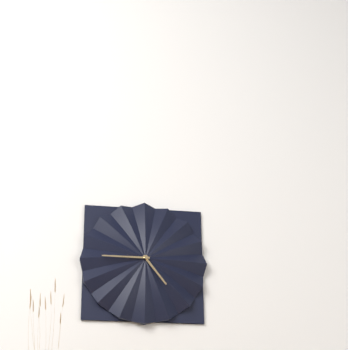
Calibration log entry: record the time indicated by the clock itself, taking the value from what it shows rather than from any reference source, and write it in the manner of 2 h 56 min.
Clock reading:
4 h 45 min
